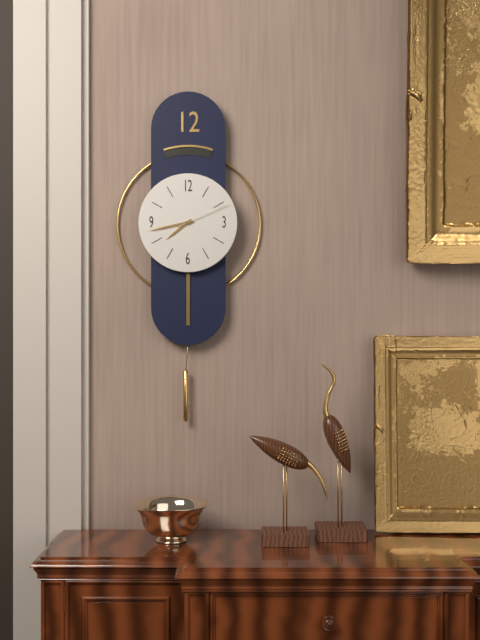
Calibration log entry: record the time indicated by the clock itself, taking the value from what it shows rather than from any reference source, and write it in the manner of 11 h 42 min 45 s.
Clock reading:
7 h 43 min 11 s
